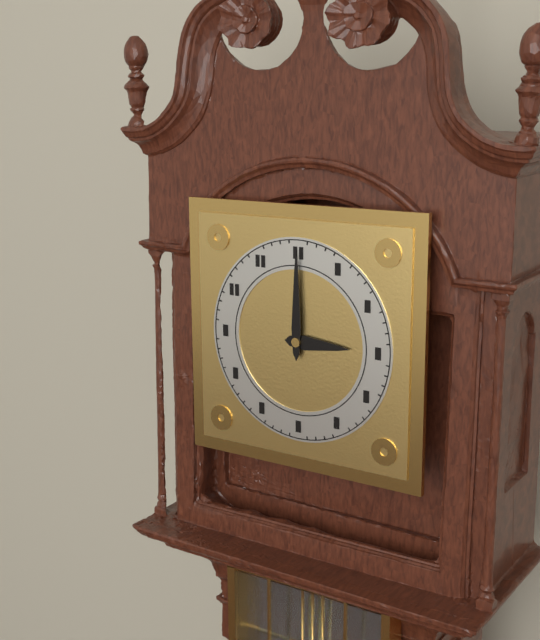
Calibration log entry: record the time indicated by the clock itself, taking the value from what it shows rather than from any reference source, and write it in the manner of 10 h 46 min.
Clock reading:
3 h 00 min
